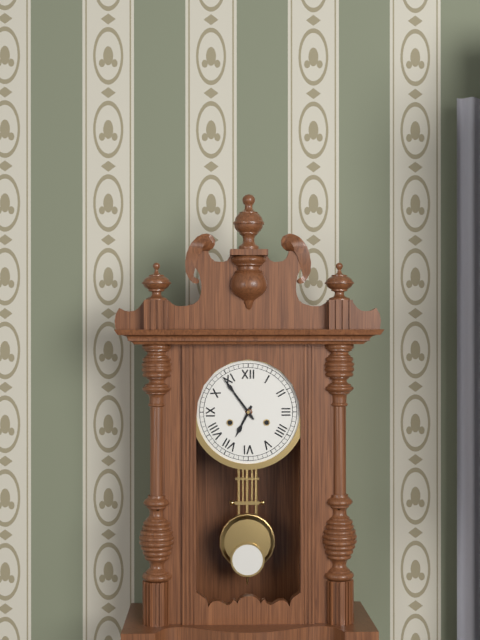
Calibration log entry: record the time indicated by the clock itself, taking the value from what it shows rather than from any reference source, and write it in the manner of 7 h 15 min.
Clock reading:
6 h 54 min
